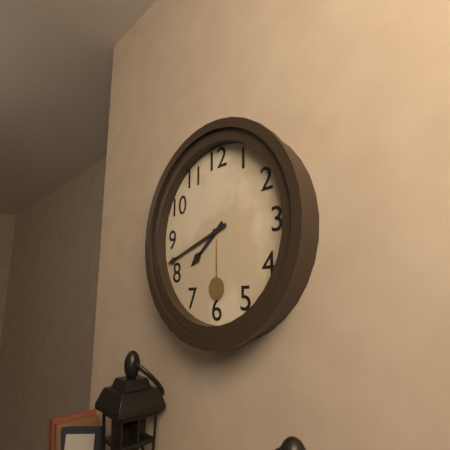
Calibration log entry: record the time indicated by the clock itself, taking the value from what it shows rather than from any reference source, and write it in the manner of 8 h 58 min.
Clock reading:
7 h 42 min
